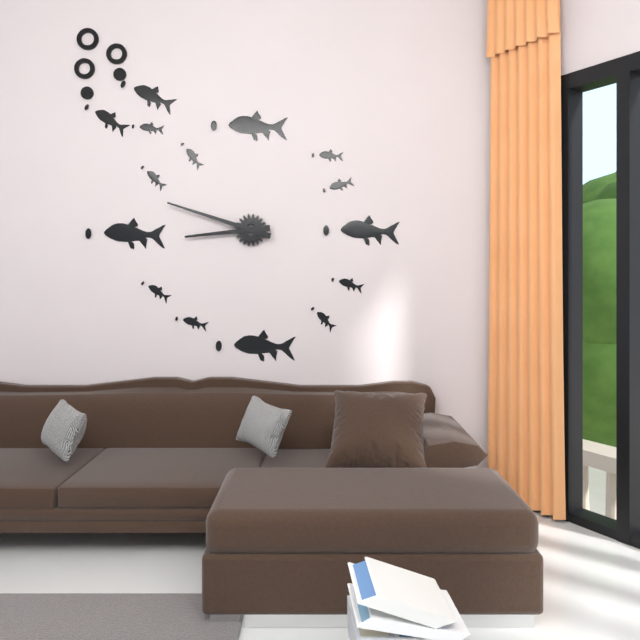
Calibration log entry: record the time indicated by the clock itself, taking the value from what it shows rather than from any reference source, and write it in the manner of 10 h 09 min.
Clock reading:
8 h 48 min
